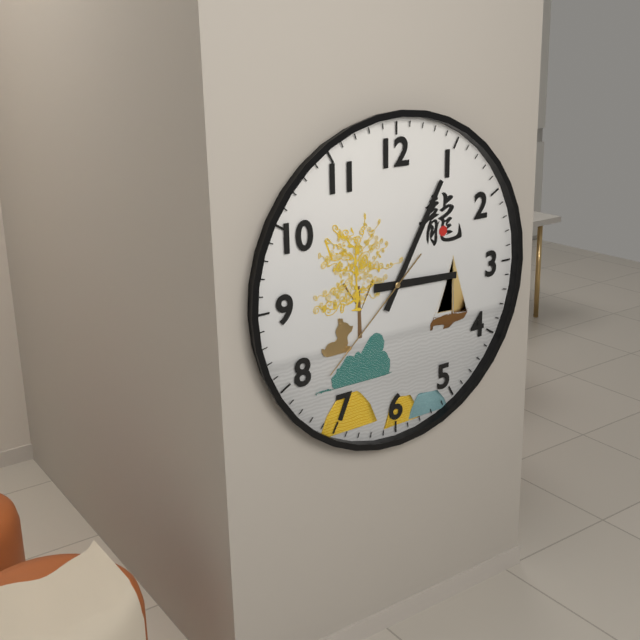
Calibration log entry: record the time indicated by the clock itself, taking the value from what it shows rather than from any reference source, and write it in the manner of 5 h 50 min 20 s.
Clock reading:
3 h 05 min 38 s
